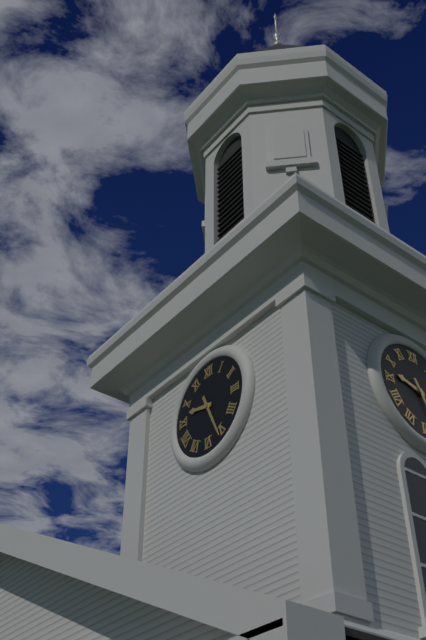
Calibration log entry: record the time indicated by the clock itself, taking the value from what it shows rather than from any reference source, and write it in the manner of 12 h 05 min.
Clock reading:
9 h 26 min
